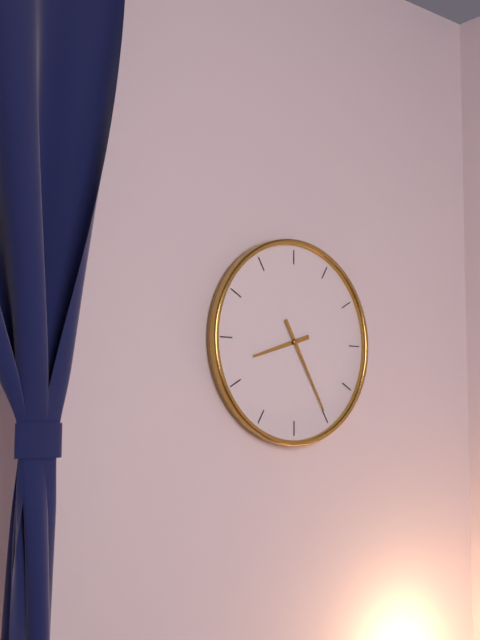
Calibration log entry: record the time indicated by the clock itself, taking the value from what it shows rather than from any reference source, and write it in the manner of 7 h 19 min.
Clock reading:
8 h 25 min
